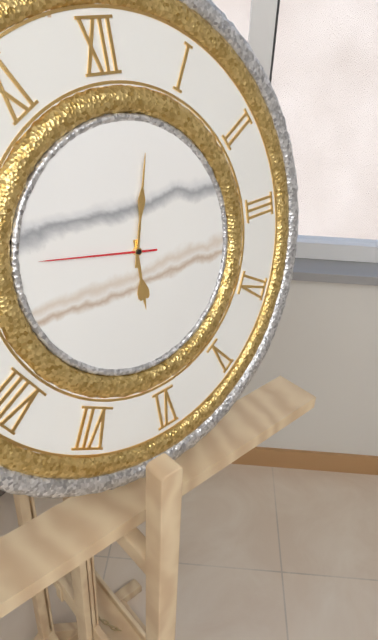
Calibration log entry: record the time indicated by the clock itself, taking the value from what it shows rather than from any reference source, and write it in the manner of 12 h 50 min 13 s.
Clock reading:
6 h 03 min 47 s
